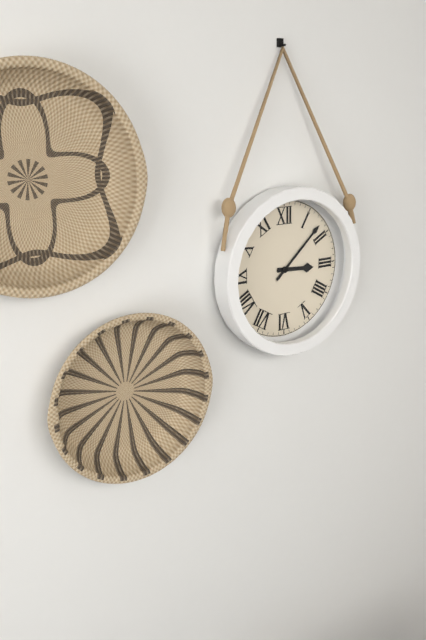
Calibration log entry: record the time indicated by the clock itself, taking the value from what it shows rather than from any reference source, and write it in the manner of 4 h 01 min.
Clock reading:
3 h 08 min
